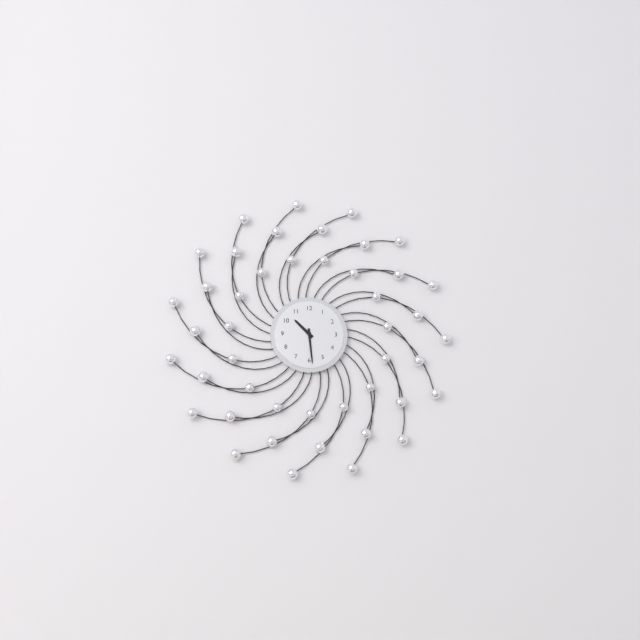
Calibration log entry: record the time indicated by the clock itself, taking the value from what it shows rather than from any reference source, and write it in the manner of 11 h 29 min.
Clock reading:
10 h 29 min
